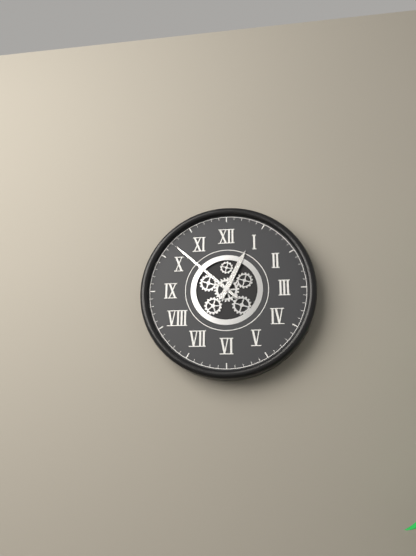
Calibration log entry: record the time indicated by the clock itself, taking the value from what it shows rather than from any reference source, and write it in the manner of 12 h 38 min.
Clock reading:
12 h 52 min
